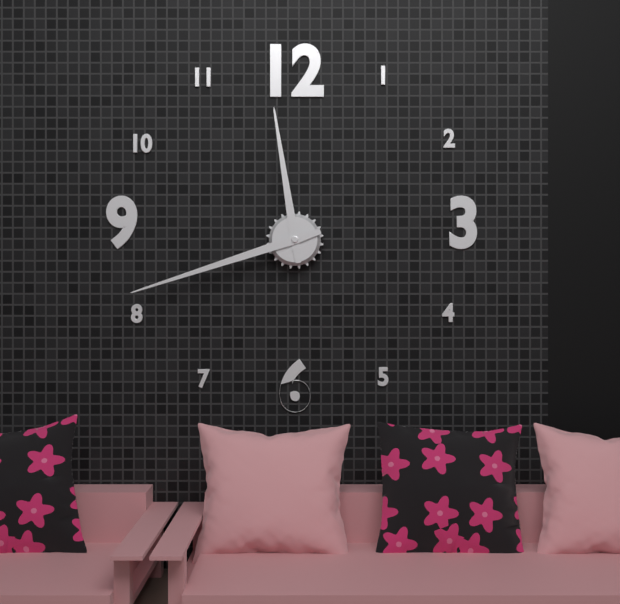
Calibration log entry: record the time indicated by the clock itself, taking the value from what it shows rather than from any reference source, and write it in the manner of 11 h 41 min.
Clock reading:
11 h 42 min
